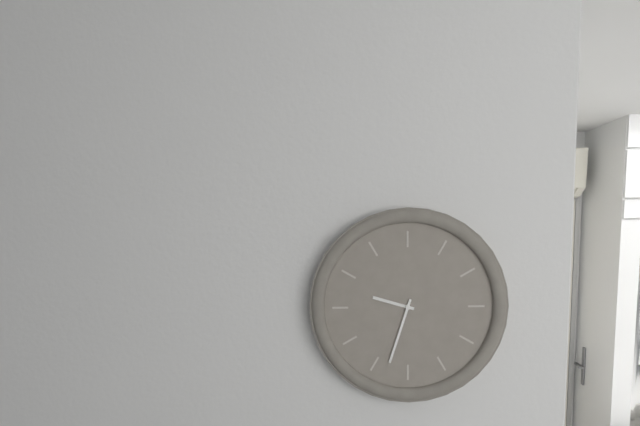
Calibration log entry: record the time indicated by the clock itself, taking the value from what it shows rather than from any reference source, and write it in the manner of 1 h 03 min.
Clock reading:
9 h 33 min
